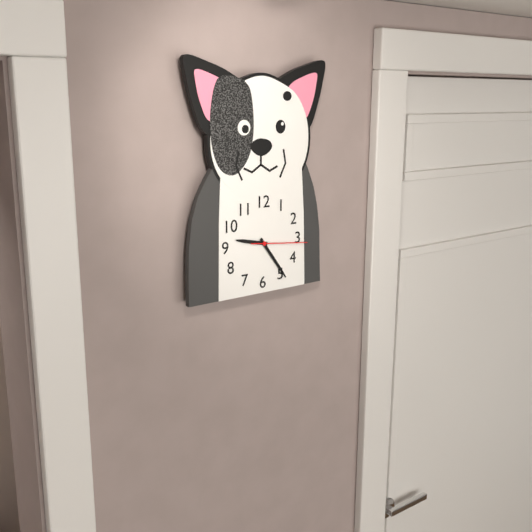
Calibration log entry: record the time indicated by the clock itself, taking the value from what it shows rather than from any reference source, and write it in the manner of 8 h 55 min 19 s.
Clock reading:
9 h 24 min 16 s
